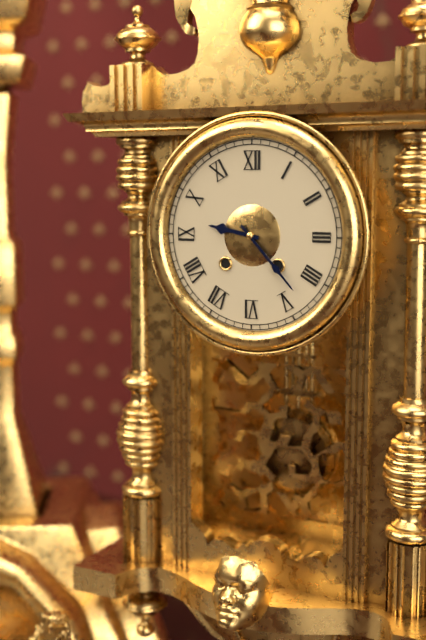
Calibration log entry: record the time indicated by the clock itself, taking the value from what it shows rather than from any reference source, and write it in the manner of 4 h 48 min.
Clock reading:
9 h 23 min
